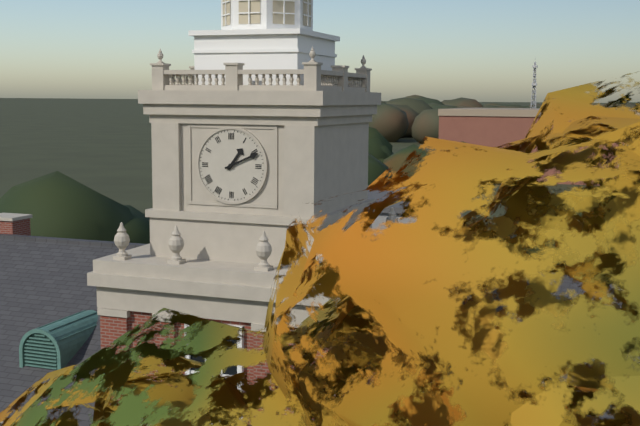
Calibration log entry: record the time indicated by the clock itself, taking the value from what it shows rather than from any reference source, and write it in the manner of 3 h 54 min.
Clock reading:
1 h 11 min
